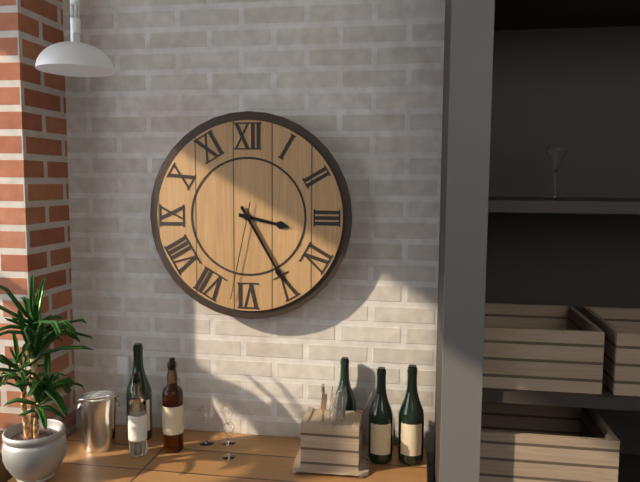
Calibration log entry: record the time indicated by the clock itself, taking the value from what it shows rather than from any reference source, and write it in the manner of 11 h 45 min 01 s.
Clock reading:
3 h 25 min 32 s
